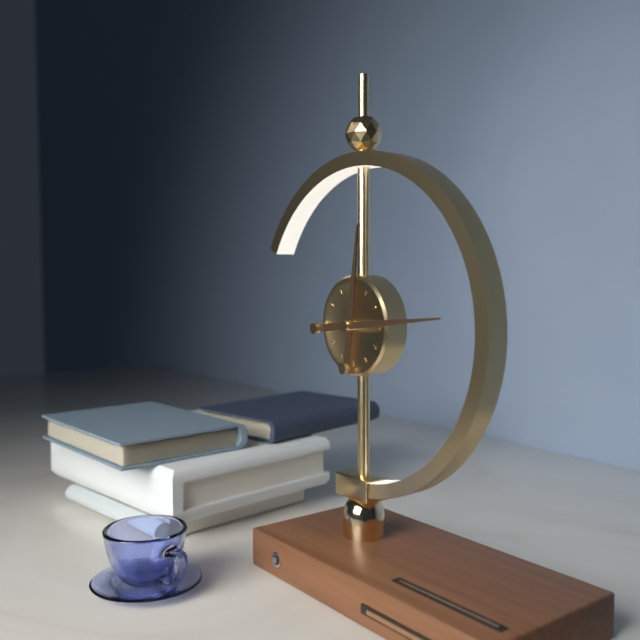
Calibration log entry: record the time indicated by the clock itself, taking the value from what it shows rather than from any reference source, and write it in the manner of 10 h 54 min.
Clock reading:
12 h 14 min
